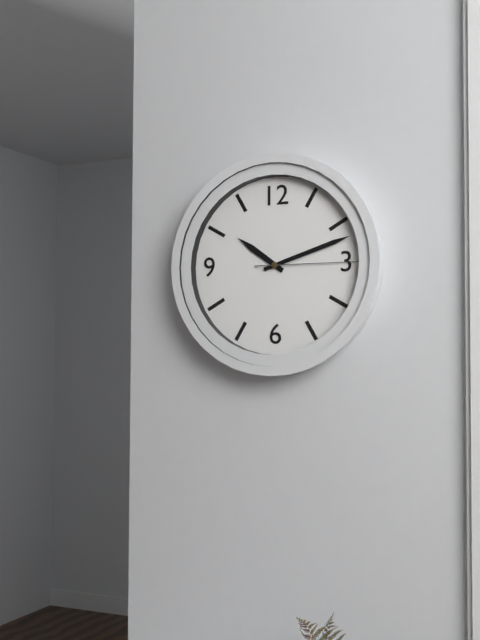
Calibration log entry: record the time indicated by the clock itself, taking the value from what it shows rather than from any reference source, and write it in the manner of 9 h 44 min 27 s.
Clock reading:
10 h 12 min 15 s
